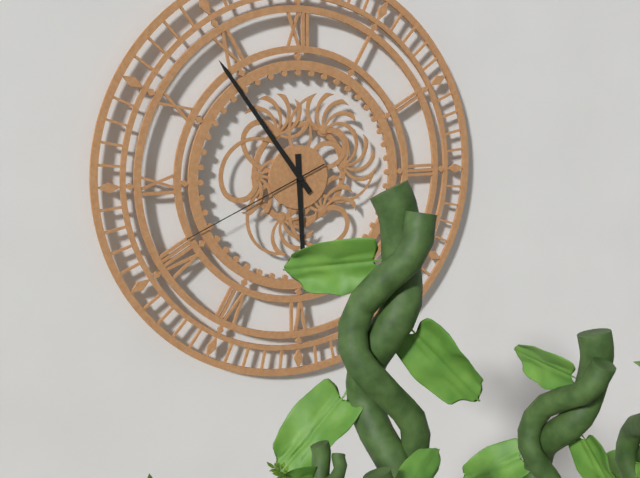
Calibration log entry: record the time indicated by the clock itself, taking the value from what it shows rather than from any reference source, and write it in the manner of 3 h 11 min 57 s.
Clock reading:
5 h 54 min 41 s
